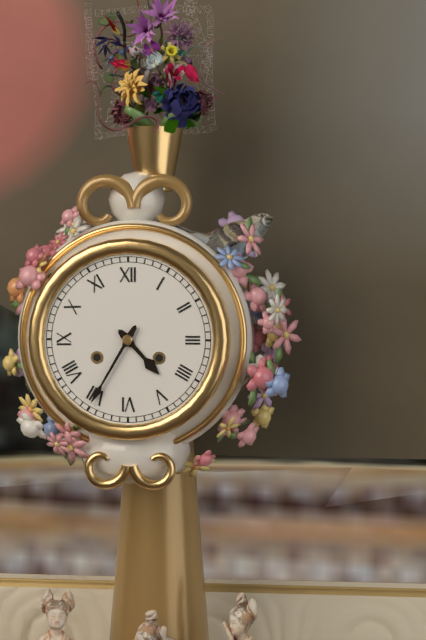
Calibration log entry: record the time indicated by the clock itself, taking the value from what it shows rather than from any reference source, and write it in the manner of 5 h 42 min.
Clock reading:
4 h 35 min
